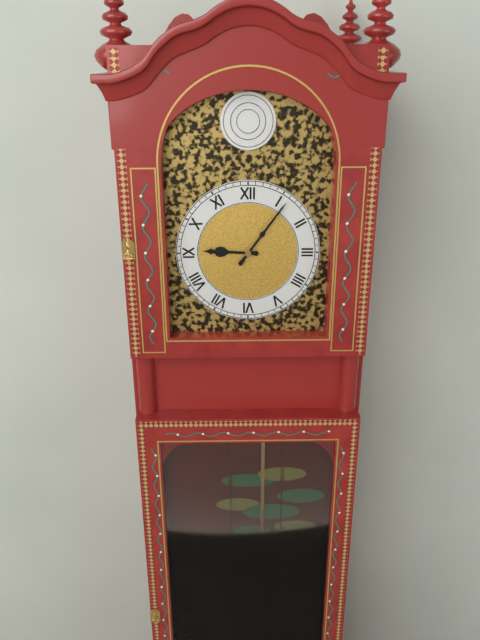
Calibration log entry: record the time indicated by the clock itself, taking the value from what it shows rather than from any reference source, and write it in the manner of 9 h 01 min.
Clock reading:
9 h 06 min
